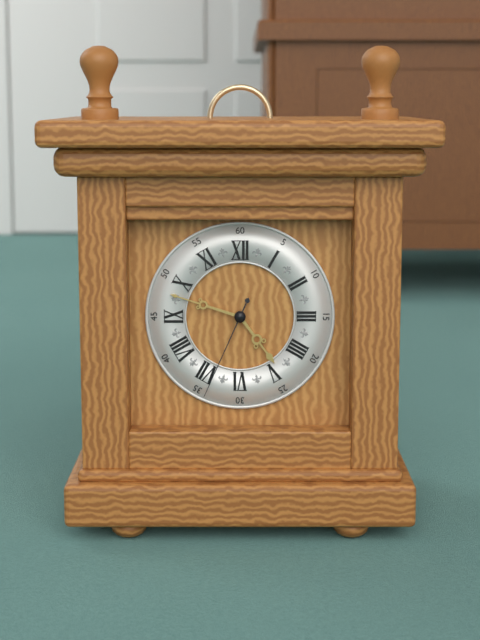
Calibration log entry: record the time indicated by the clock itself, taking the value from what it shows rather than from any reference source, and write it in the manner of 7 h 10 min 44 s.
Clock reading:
4 h 48 min 34 s
